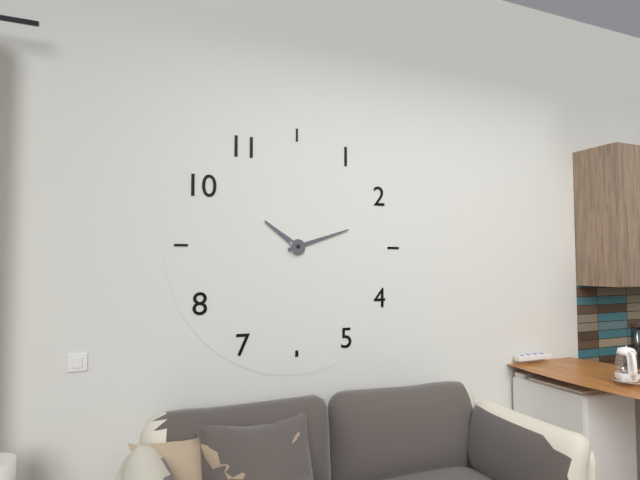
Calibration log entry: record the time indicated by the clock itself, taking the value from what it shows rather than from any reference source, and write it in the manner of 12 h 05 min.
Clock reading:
10 h 12 min
